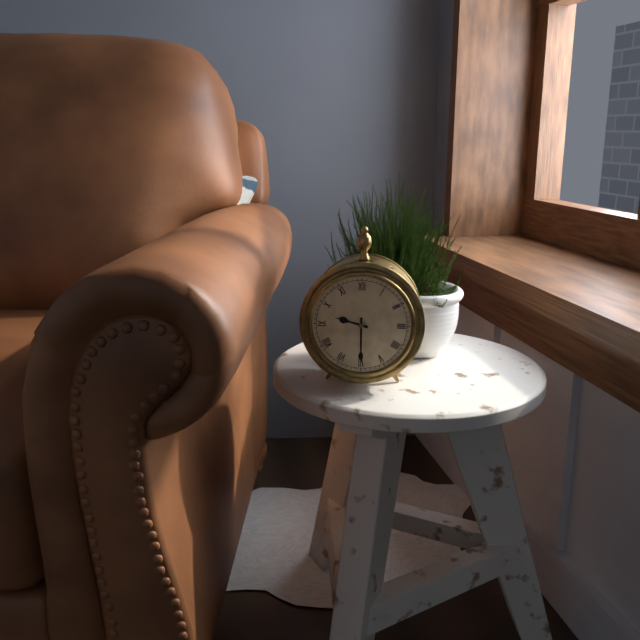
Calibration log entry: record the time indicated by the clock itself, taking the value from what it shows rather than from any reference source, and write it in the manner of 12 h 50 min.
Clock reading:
9 h 30 min
